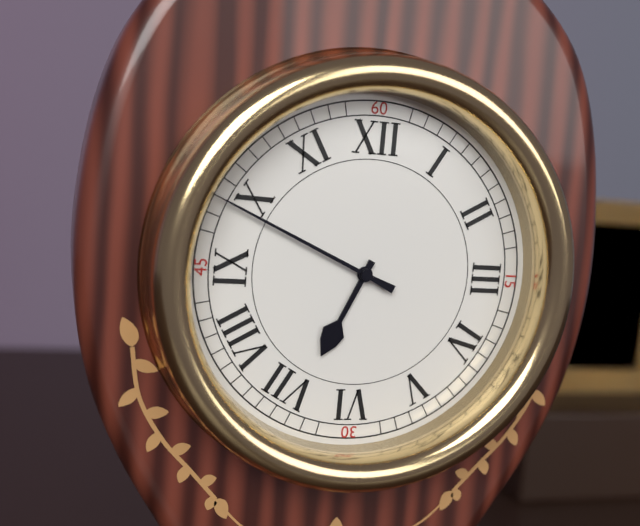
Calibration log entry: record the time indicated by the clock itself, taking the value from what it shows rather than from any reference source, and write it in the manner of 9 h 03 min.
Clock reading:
6 h 49 min
